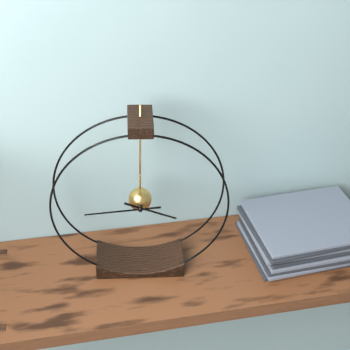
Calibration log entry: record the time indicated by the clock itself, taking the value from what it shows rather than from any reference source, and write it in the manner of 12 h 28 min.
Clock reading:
3 h 44 min
